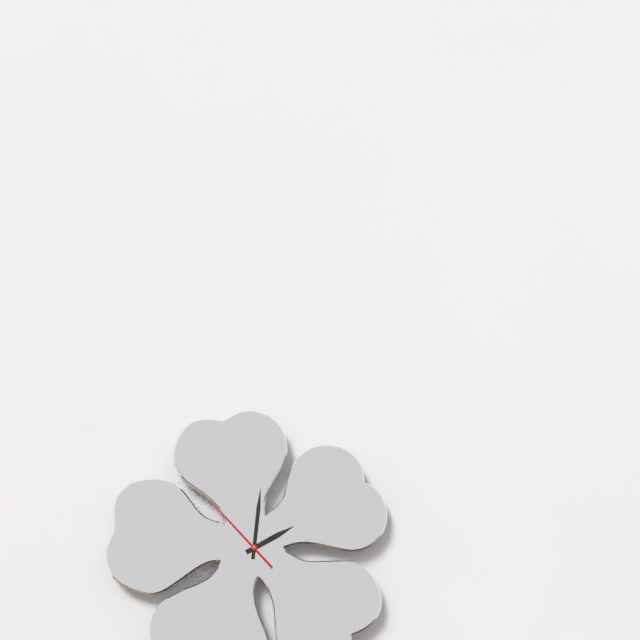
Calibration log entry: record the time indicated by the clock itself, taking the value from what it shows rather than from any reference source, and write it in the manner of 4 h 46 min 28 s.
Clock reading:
2 h 01 min 53 s
